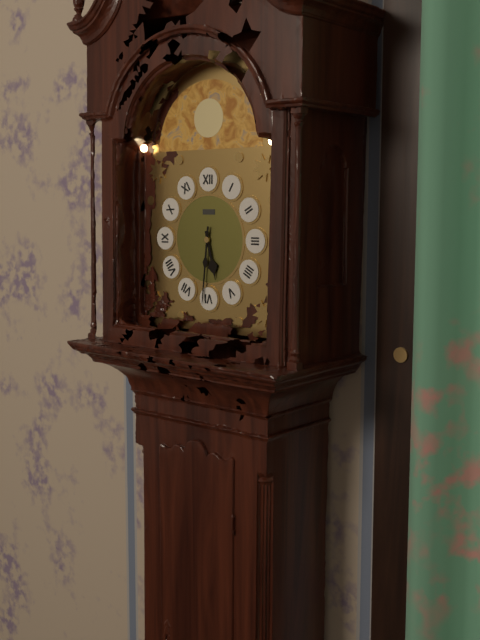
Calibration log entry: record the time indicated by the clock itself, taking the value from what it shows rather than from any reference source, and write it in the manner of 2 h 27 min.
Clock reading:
5 h 31 min
